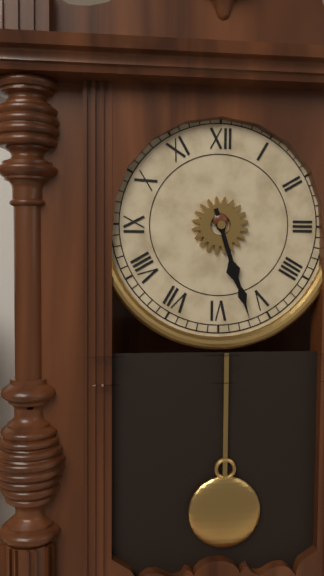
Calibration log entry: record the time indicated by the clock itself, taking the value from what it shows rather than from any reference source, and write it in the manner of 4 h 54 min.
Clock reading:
5 h 27 min
